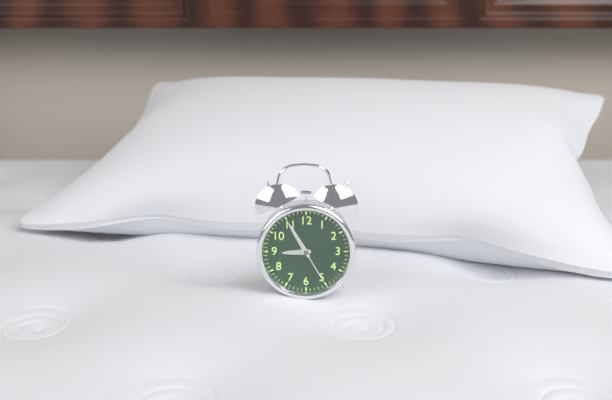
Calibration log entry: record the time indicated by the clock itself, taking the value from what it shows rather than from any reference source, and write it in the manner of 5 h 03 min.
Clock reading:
8 h 55 min
